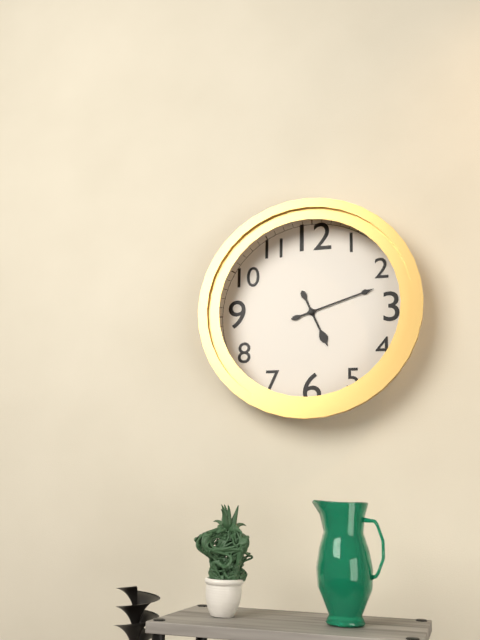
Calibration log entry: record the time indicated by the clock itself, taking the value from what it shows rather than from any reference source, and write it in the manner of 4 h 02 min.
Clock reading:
5 h 12 min
